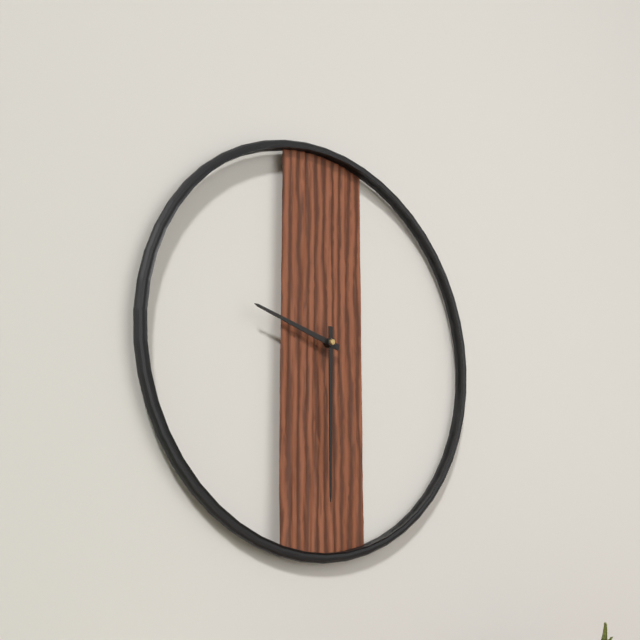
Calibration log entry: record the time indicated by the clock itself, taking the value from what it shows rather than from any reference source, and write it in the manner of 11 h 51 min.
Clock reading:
9 h 30 min
